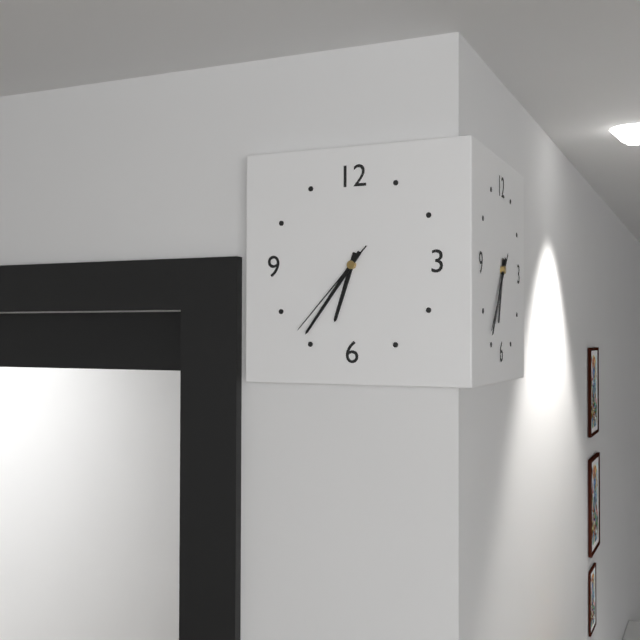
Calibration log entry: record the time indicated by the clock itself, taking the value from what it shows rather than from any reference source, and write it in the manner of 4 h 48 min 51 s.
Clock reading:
6 h 36 min 37 s
